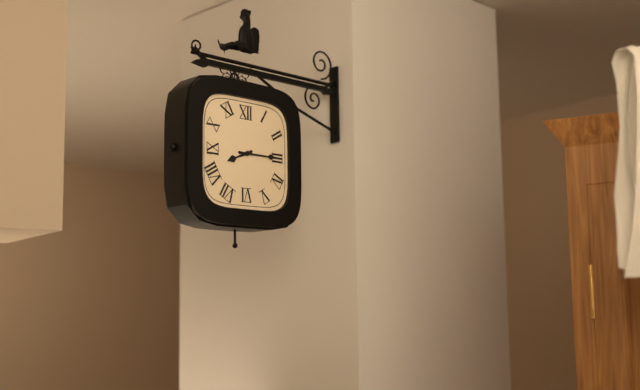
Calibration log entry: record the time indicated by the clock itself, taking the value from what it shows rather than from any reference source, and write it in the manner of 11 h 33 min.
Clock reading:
8 h 15 min
